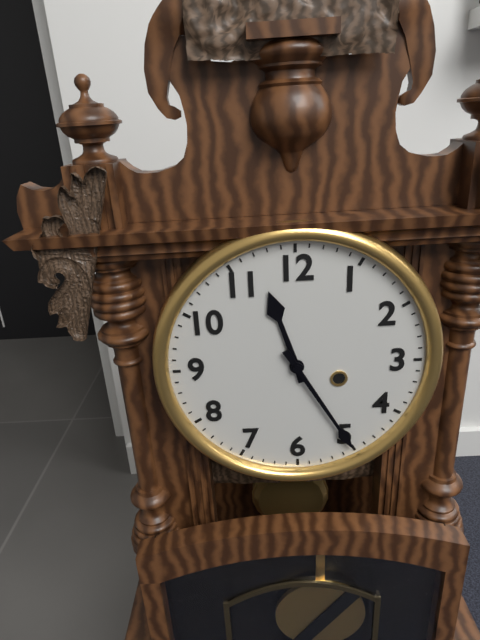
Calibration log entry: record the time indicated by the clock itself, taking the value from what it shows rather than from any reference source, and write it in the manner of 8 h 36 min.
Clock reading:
11 h 25 min
